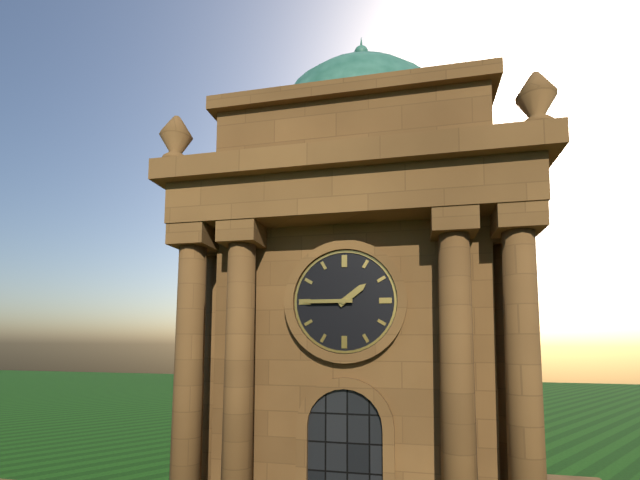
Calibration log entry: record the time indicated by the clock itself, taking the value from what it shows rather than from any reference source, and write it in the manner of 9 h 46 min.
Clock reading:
1 h 45 min
